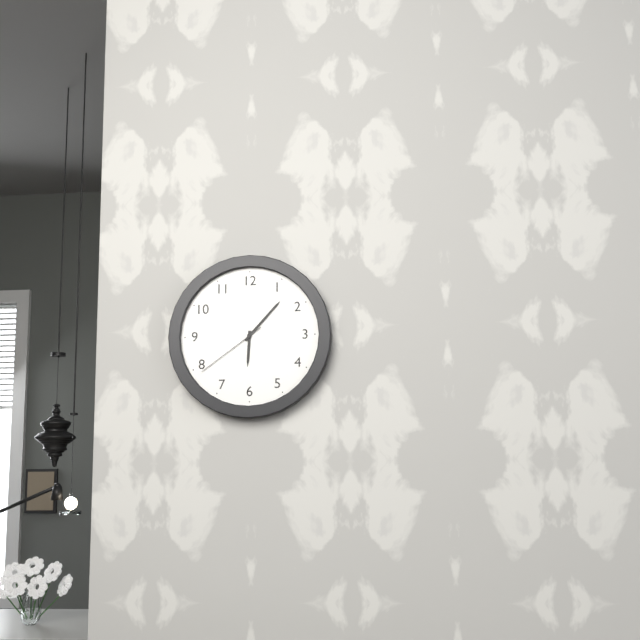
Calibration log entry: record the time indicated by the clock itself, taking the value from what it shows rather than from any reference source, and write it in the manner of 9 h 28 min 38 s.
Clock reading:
6 h 07 min 39 s
